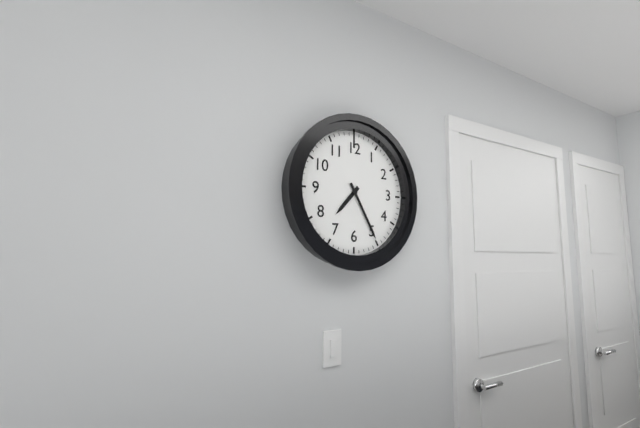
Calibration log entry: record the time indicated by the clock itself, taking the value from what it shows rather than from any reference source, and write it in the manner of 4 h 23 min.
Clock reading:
7 h 25 min
